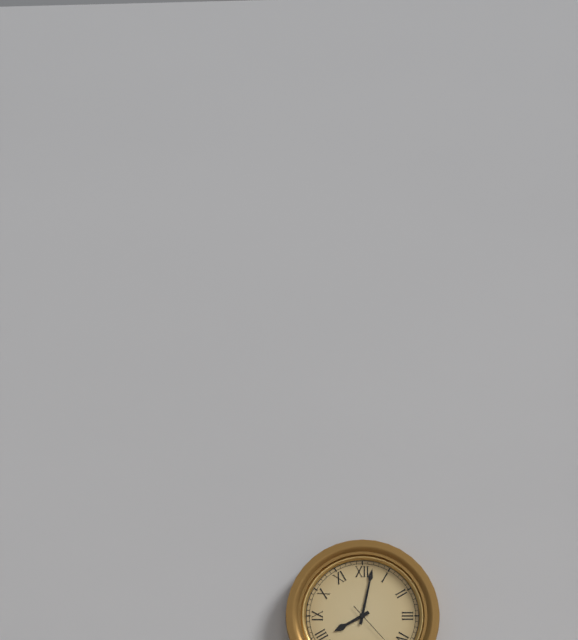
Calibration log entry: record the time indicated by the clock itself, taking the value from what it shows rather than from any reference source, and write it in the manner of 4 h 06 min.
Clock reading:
8 h 02 min
